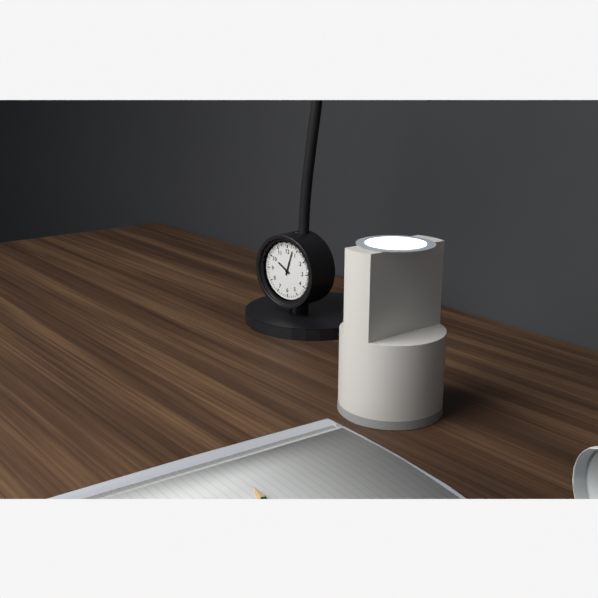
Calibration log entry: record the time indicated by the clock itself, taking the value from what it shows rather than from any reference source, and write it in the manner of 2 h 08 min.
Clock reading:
10 h 03 min
